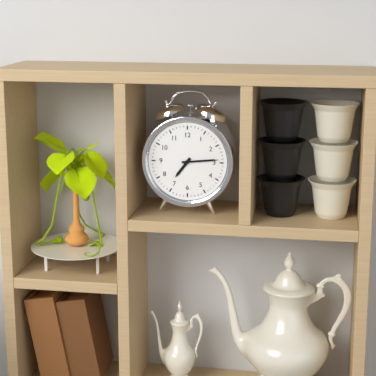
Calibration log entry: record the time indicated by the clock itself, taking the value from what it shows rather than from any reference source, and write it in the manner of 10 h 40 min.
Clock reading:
7 h 14 min
